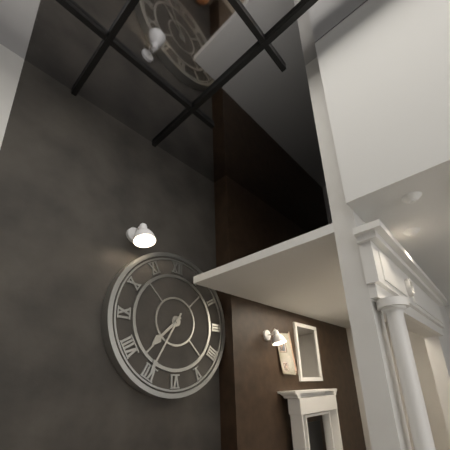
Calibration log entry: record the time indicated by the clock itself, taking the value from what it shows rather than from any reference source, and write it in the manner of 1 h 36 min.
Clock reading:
7 h 35 min
